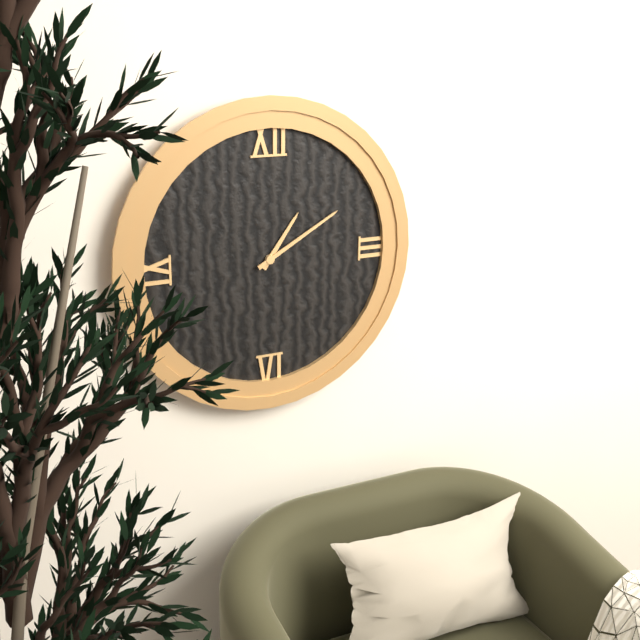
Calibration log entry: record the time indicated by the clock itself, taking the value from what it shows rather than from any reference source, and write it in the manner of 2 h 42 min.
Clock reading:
1 h 10 min
